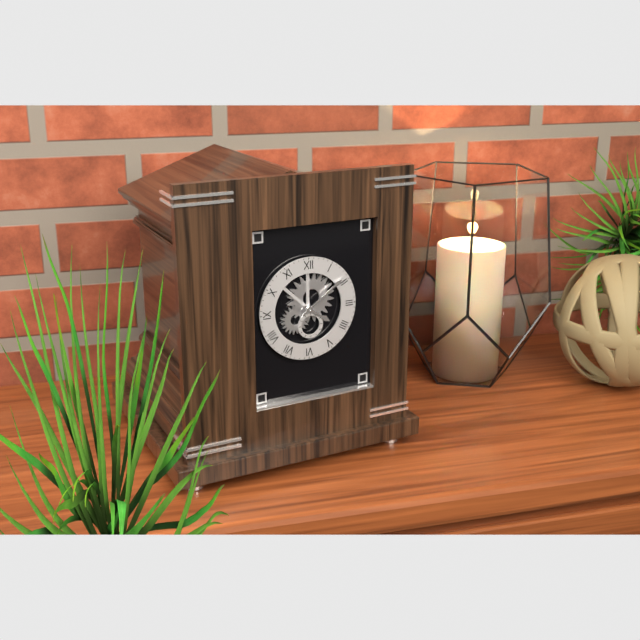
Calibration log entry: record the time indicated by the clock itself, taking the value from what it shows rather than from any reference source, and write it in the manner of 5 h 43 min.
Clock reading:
4 h 09 min
